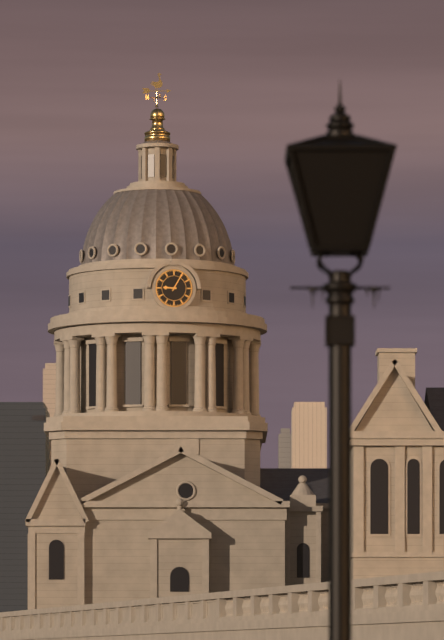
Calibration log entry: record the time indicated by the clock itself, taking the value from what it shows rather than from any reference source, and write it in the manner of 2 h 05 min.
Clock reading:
9 h 05 min
